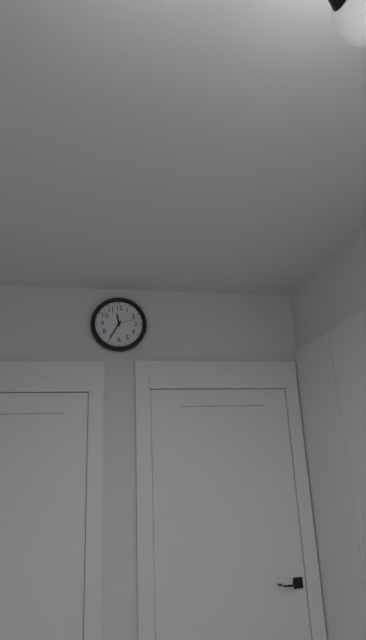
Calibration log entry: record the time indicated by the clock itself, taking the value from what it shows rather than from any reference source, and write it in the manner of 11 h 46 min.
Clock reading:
11 h 35 min
